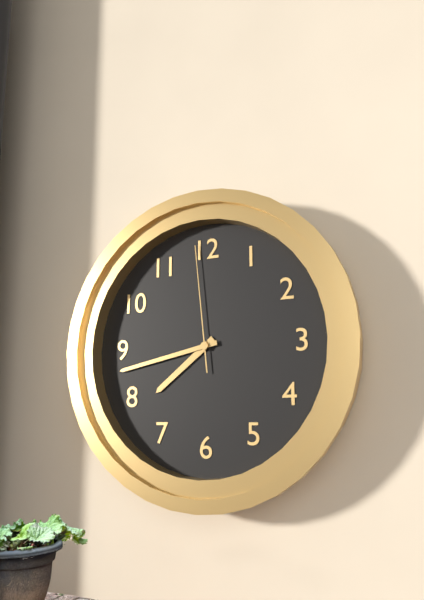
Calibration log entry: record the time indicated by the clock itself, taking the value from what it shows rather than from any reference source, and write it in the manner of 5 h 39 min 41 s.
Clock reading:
7 h 43 min 59 s
